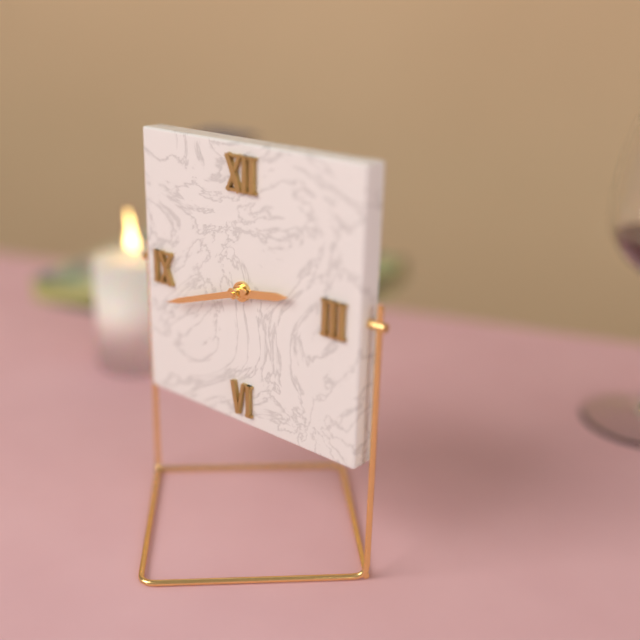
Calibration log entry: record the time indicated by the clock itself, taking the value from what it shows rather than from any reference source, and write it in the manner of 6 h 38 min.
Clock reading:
2 h 42 min
